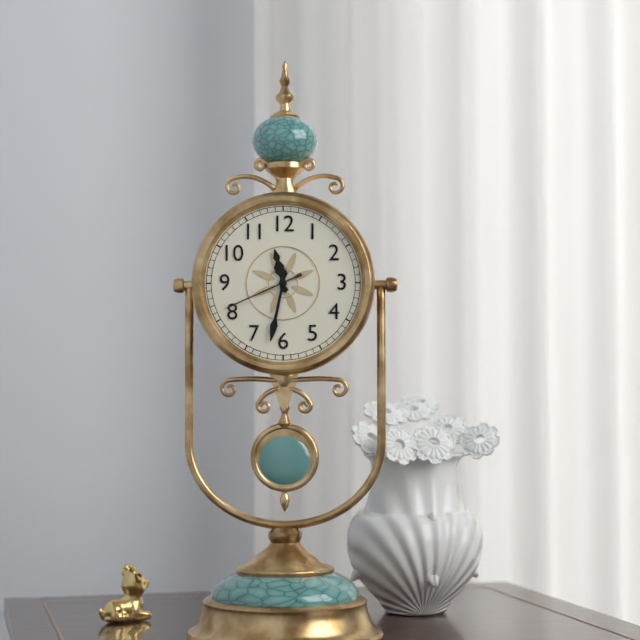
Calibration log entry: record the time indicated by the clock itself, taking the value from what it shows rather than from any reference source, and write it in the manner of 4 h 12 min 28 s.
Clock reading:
11 h 32 min 41 s
